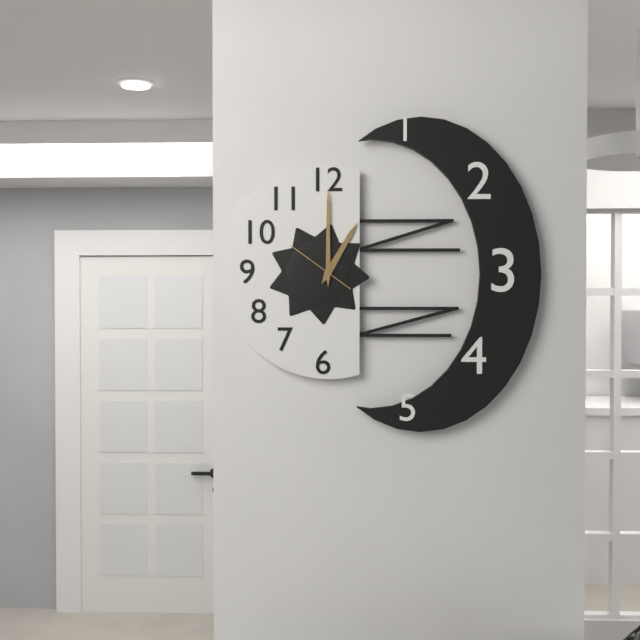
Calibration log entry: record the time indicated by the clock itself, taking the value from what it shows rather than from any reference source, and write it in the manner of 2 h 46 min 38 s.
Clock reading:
1 h 00 min 51 s
